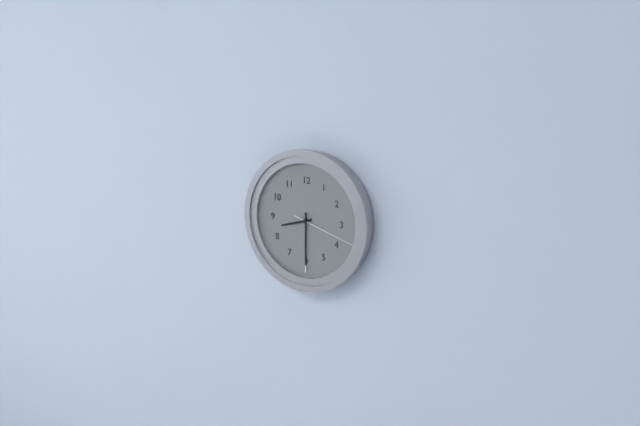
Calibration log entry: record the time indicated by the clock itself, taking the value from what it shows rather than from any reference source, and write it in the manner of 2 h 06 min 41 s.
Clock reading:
8 h 30 min 18 s
